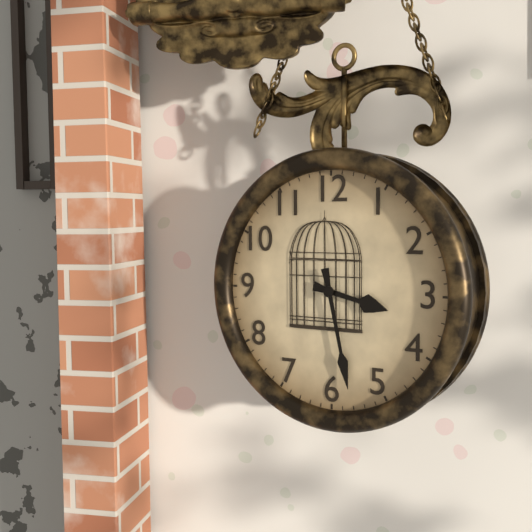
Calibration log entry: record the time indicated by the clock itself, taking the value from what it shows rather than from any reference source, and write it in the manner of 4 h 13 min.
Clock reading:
3 h 28 min
